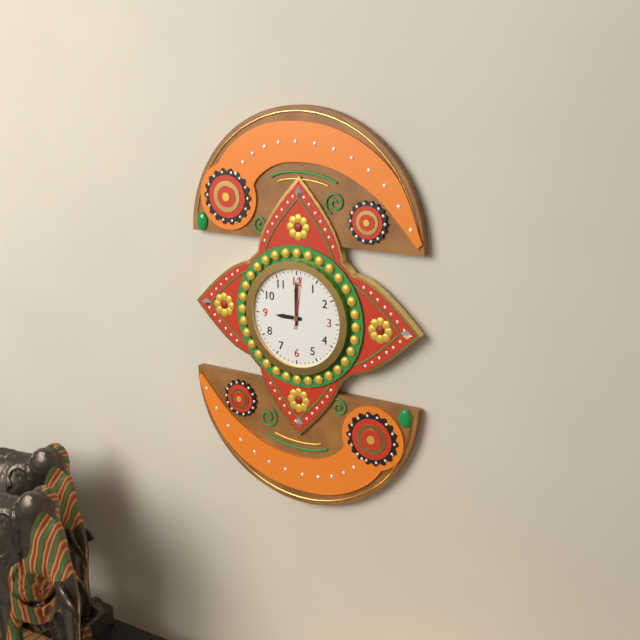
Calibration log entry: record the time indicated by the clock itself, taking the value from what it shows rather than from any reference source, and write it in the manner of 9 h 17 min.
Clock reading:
9 h 00 min
